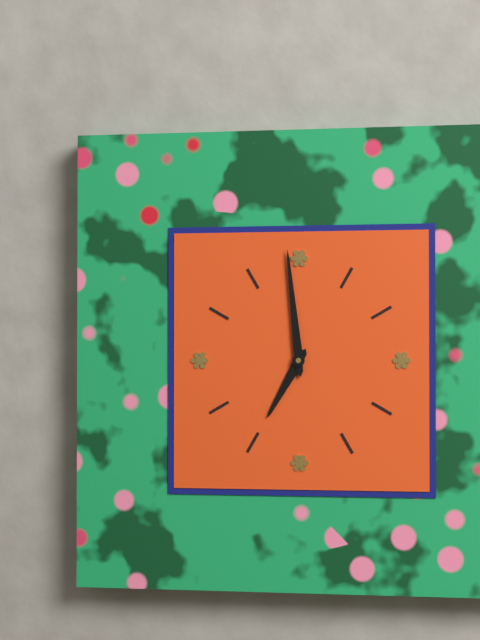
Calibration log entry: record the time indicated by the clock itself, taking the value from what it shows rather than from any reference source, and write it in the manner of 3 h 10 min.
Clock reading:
6 h 59 min
